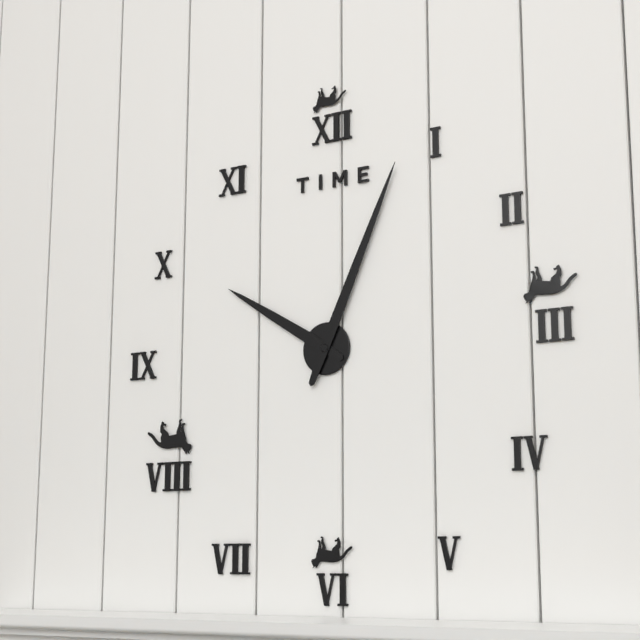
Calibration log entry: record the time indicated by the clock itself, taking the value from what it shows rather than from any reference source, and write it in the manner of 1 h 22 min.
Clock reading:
10 h 04 min
